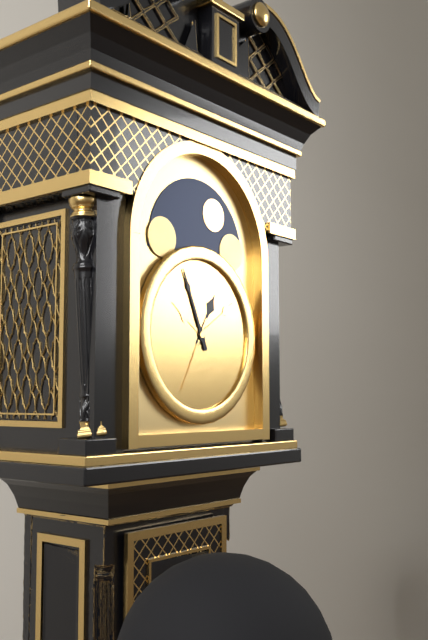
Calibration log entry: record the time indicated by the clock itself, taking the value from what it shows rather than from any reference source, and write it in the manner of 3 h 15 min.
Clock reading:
12 h 56 min
